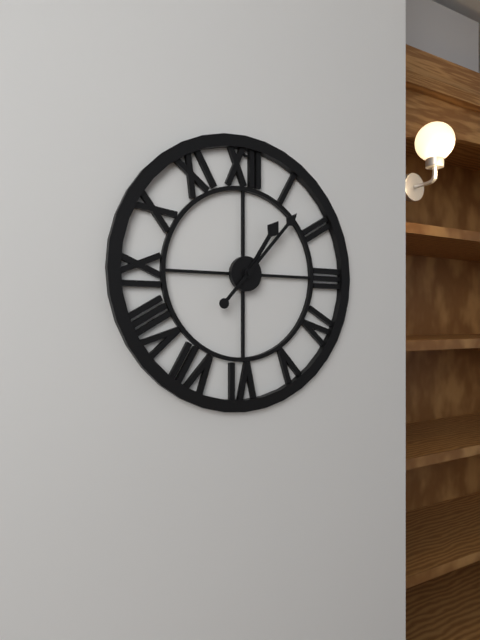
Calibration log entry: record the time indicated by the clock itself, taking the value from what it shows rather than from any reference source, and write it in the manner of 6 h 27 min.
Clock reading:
1 h 07 min
